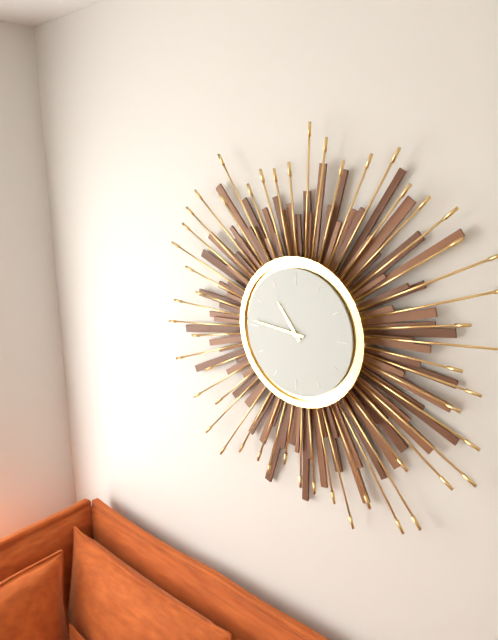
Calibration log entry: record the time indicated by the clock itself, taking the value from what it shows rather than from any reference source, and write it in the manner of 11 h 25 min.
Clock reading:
10 h 46 min
